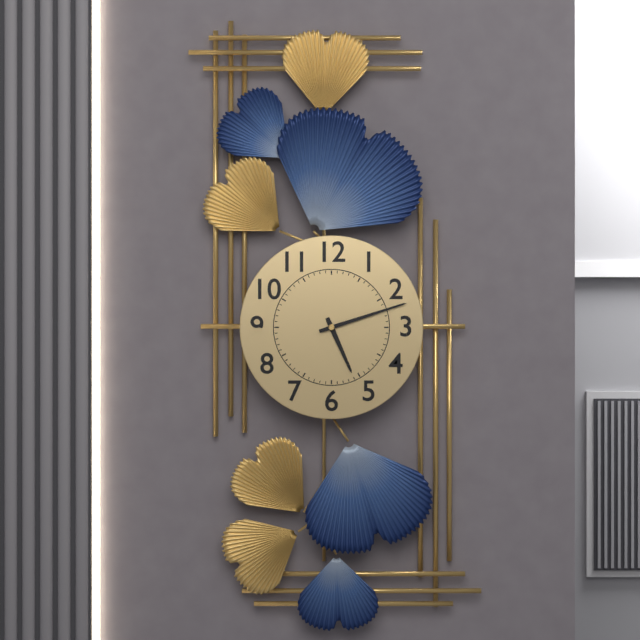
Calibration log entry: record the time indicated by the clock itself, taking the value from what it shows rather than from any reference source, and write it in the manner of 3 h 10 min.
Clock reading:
5 h 12 min
